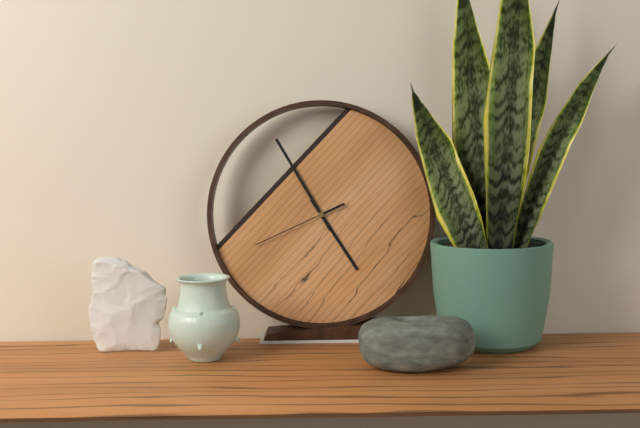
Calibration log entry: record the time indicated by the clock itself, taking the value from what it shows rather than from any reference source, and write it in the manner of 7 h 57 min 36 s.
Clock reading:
4 h 55 min 41 s
